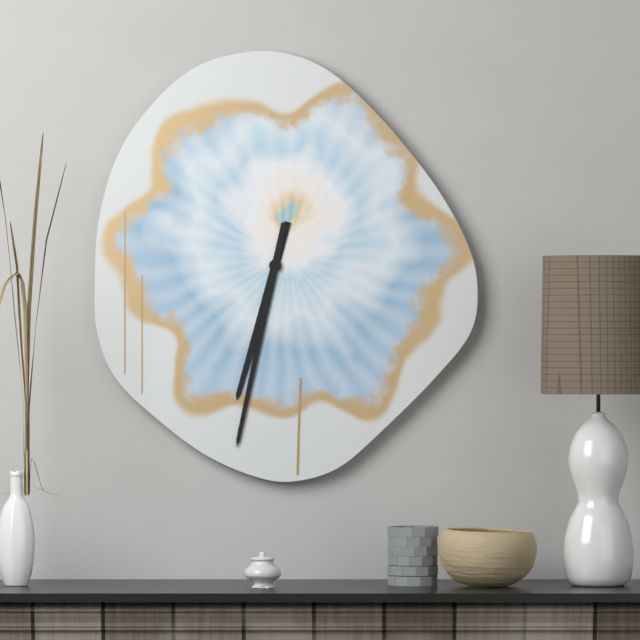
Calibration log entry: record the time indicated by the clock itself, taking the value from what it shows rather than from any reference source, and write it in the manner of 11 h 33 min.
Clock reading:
6 h 32 min
